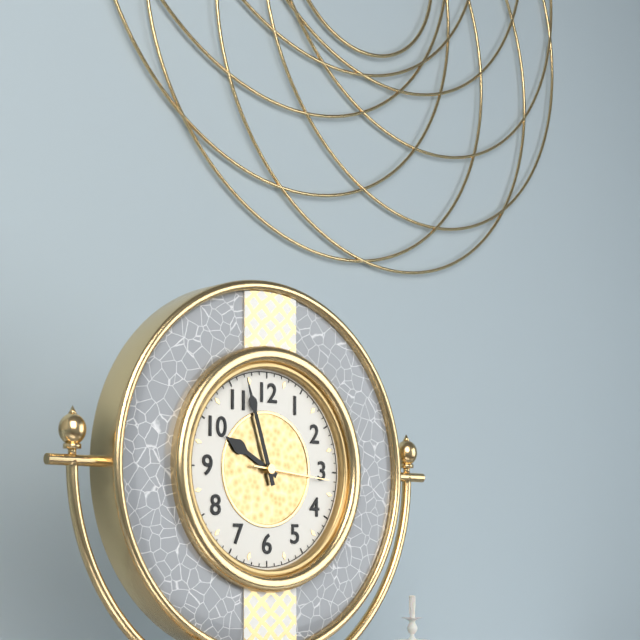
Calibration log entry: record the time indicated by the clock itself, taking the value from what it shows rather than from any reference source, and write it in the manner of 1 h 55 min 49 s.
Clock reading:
9 h 57 min 16 s
